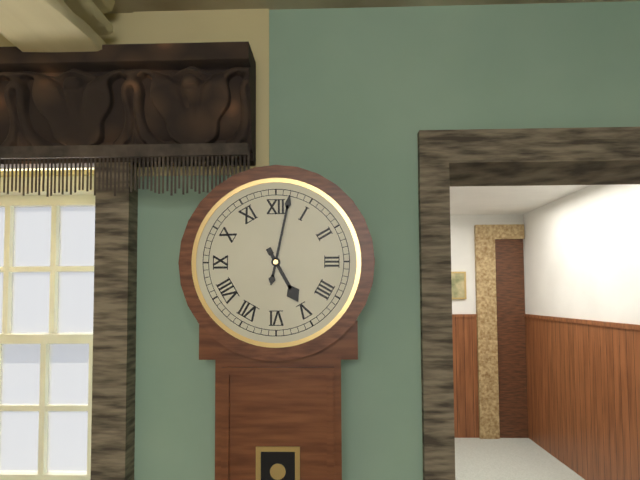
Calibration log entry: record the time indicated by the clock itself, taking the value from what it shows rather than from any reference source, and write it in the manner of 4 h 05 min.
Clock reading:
5 h 02 min
